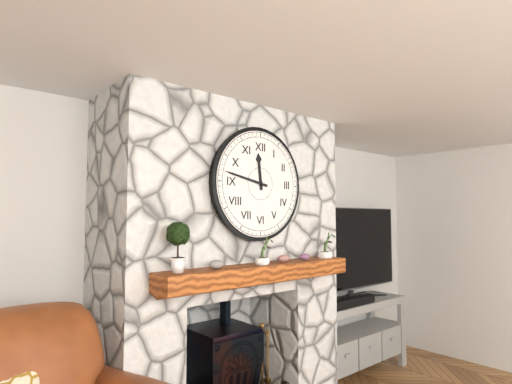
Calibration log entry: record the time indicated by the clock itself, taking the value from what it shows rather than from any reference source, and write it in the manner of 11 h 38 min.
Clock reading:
11 h 47 min
